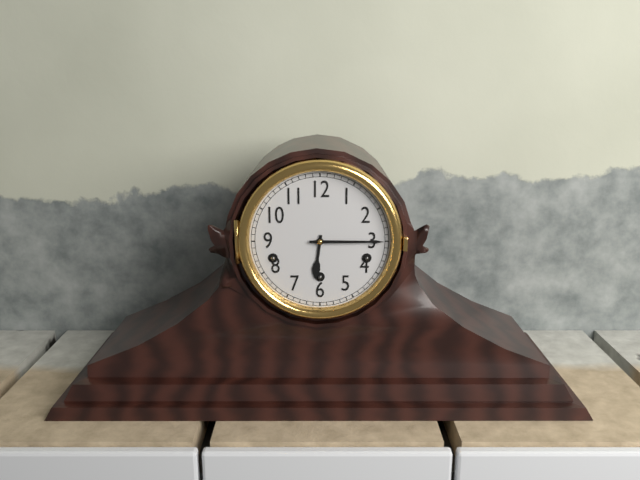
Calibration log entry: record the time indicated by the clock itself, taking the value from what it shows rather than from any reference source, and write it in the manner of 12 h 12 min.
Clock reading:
6 h 15 min
